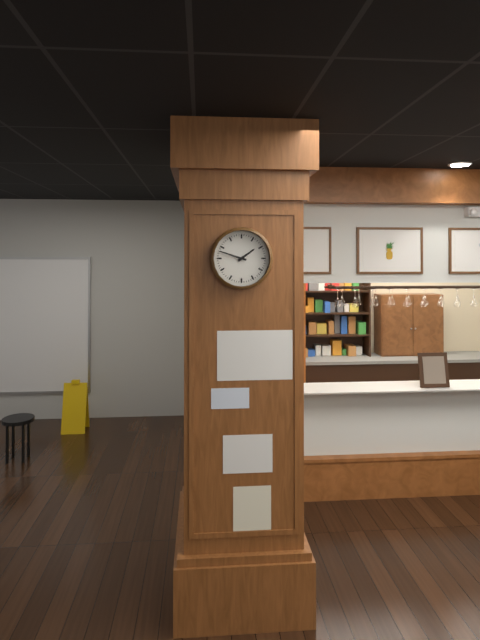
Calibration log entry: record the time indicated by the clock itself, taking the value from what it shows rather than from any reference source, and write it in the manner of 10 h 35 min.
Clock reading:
1 h 48 min
